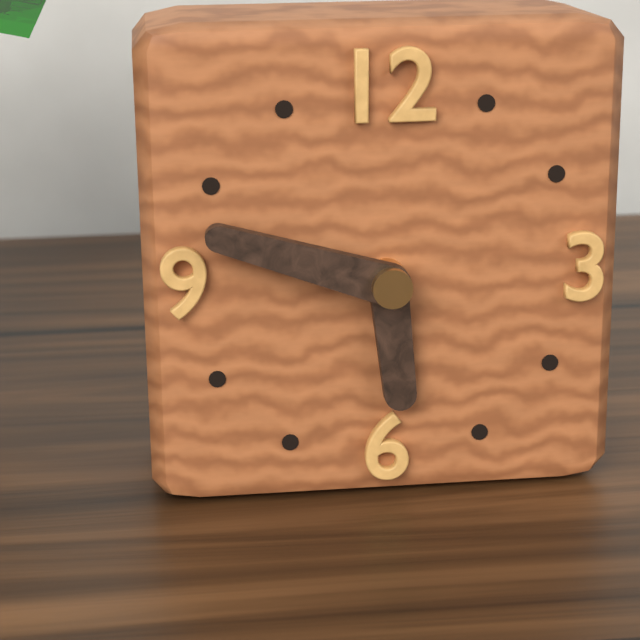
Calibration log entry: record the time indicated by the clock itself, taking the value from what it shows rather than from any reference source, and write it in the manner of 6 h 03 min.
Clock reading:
5 h 48 min
